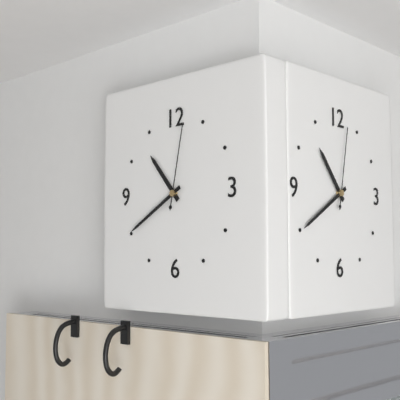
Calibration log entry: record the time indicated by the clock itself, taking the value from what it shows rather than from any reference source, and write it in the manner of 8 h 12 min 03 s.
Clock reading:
10 h 40 min 02 s
